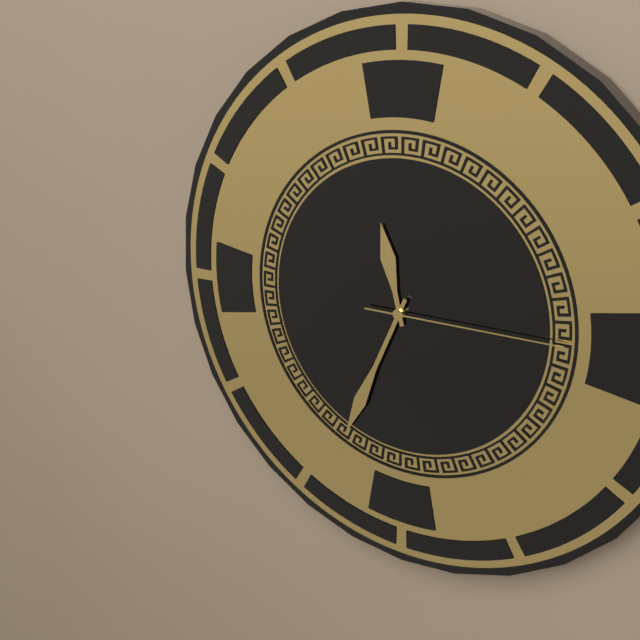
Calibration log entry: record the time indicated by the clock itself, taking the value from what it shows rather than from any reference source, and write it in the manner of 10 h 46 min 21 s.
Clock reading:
11 h 34 min 15 s
